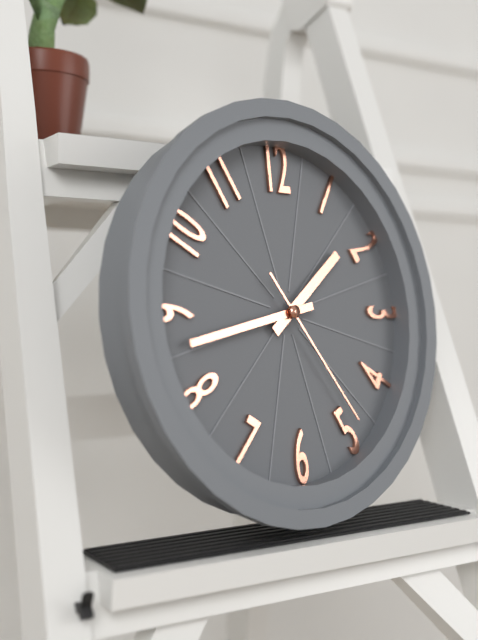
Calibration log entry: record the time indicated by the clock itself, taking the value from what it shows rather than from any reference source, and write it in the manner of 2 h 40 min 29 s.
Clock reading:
1 h 43 min 24 s
